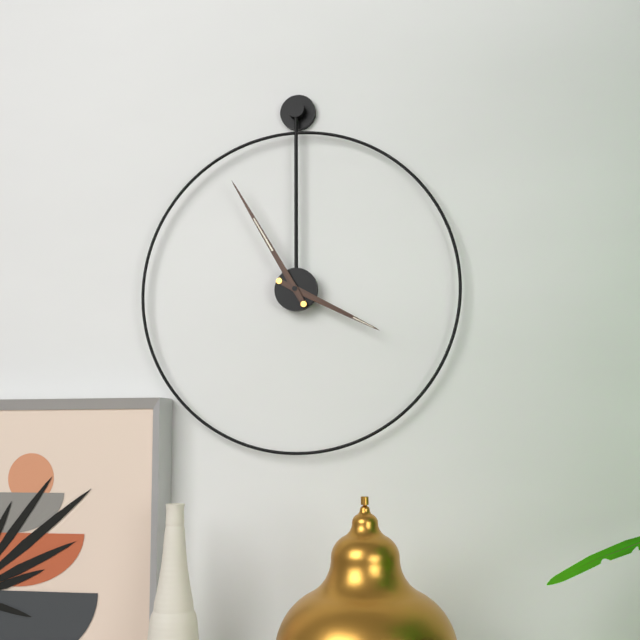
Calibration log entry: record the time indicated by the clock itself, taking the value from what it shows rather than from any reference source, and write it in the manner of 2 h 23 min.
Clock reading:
3 h 55 min
